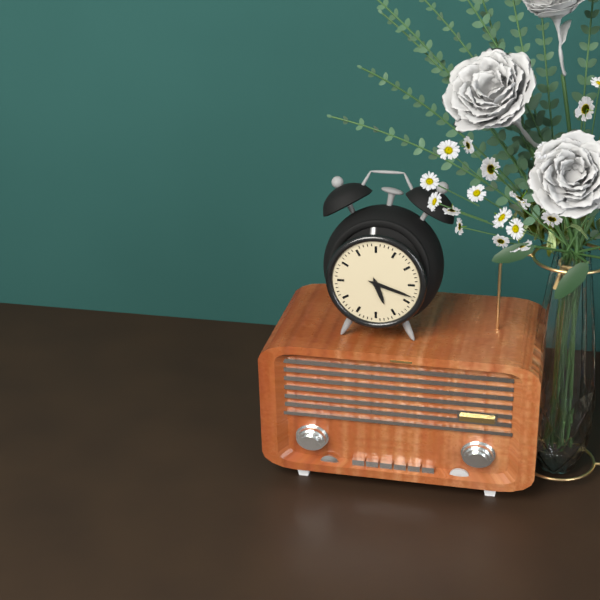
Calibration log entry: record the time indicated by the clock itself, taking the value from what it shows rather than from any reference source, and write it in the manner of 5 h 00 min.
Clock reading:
5 h 18 min
